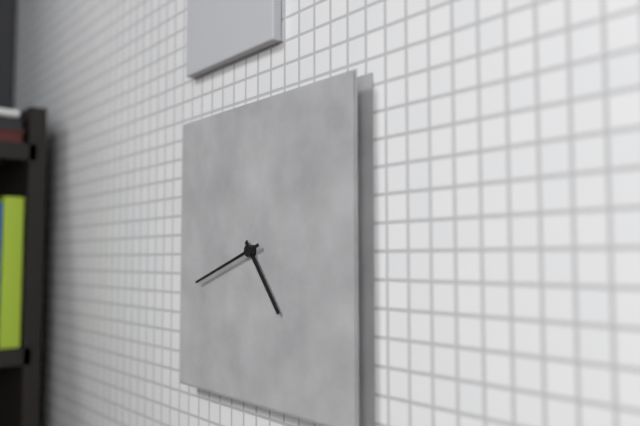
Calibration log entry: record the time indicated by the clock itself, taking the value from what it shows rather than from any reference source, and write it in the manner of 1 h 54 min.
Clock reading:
4 h 42 min
